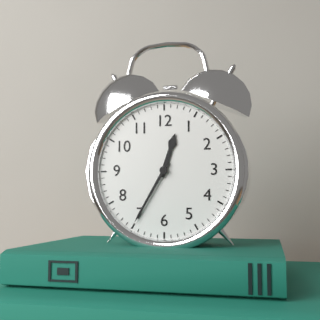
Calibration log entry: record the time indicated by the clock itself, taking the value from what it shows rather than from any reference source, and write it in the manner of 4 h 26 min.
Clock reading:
12 h 35 min
